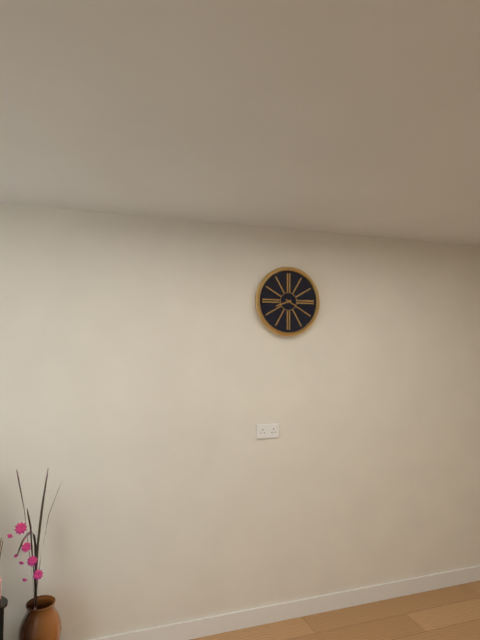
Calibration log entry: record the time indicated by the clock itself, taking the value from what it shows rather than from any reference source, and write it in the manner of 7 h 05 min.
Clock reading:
8 h 20 min
